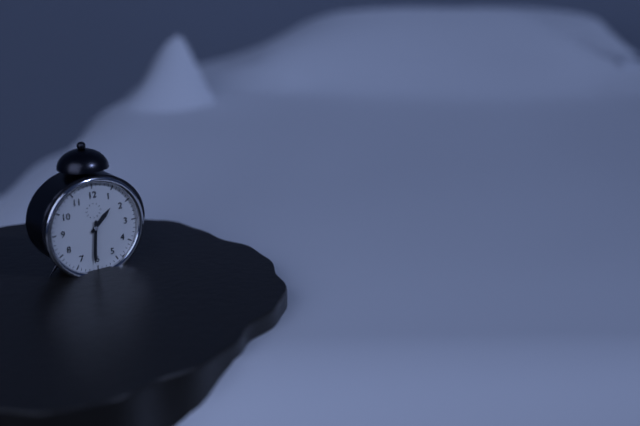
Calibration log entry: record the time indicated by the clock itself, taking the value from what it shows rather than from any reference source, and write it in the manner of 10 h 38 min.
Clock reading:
1 h 31 min
